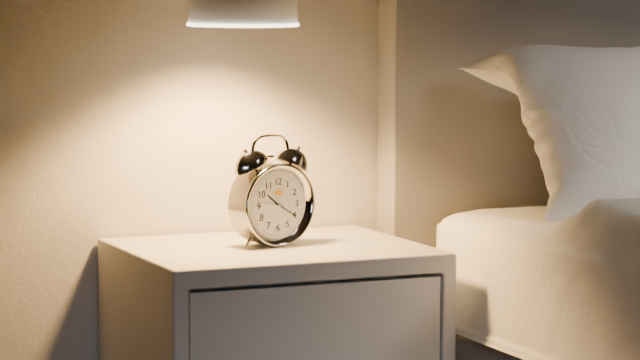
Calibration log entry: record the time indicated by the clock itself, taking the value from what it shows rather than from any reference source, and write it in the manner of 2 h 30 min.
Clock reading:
10 h 20 min
